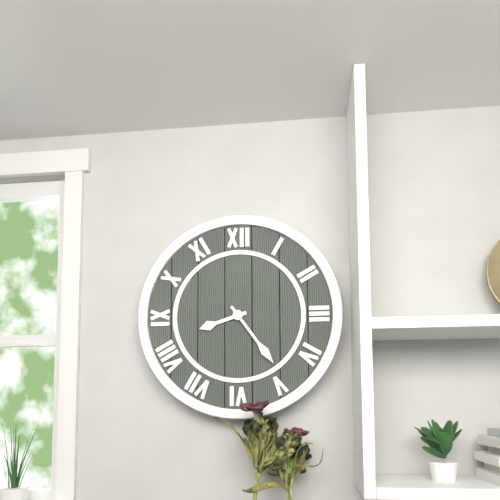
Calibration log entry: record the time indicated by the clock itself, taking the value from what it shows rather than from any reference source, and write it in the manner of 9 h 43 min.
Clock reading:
8 h 24 min
